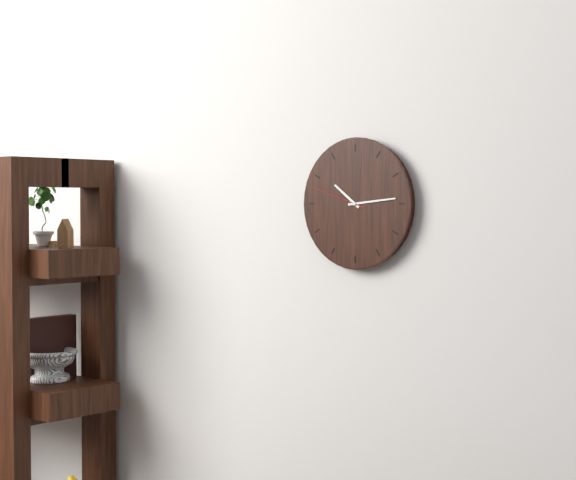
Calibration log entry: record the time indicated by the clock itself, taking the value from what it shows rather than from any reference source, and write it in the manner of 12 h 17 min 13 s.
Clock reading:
10 h 14 min 48 s
